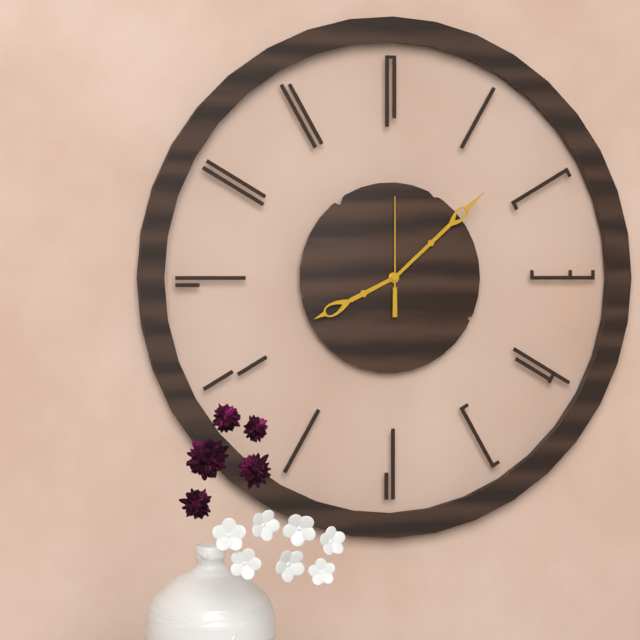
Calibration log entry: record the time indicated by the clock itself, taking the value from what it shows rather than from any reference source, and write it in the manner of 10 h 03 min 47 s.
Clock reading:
8 h 08 min 00 s
